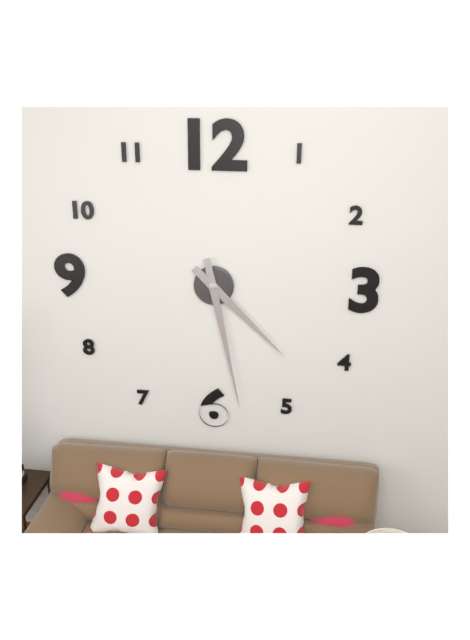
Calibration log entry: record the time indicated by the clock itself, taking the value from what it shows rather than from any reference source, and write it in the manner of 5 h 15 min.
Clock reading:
4 h 28 min
